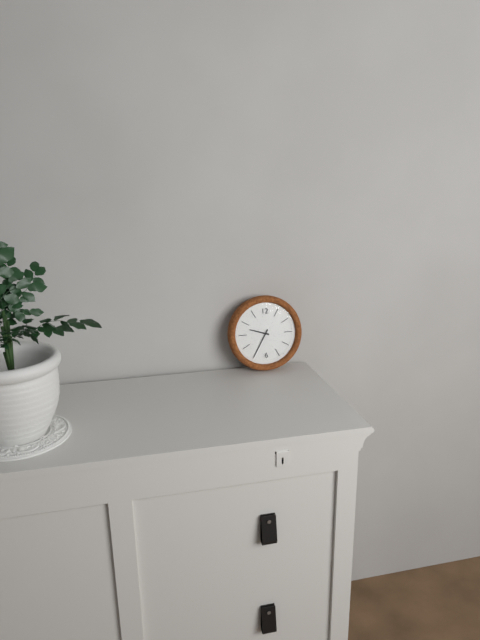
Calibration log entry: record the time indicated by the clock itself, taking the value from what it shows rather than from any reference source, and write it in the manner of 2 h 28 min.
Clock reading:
9 h 35 min
